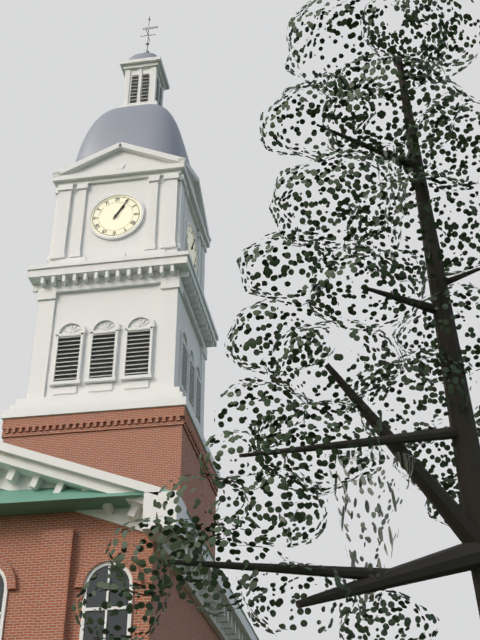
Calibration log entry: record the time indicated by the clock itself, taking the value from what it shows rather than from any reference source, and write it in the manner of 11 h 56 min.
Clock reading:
1 h 05 min
